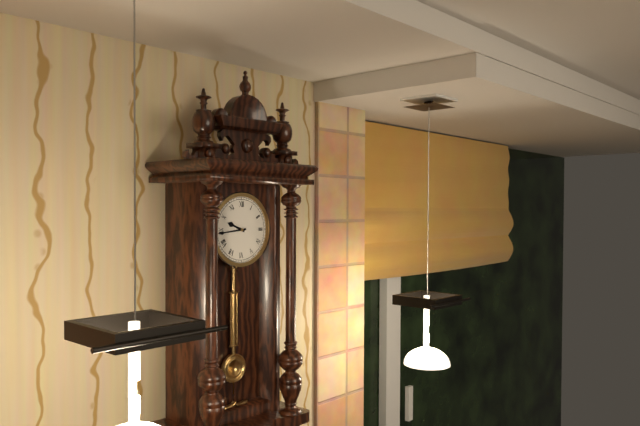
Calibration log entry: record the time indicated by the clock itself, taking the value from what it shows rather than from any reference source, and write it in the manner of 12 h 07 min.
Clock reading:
9 h 44 min
